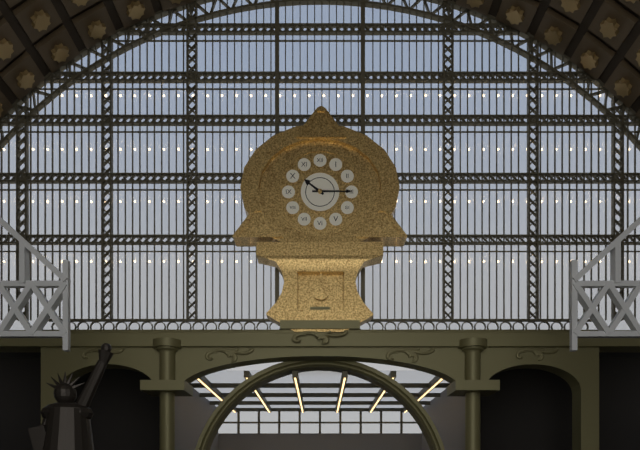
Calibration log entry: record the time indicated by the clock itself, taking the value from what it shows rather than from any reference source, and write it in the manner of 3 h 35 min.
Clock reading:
10 h 15 min
